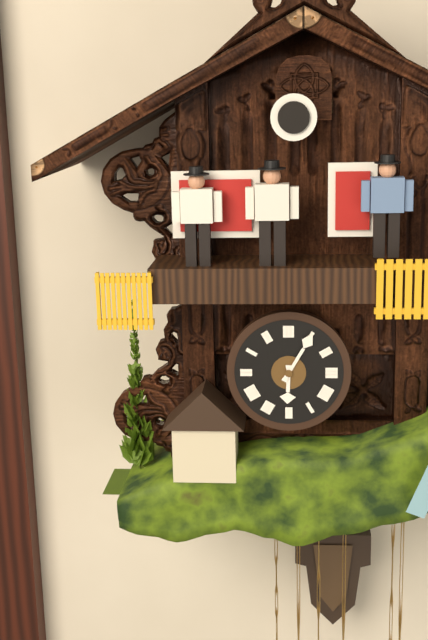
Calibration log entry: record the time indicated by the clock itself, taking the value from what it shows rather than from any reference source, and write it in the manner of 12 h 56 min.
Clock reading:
6 h 05 min
